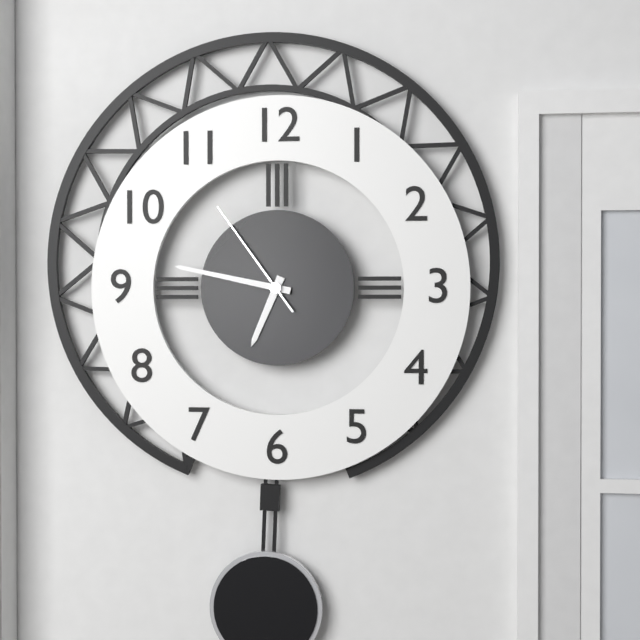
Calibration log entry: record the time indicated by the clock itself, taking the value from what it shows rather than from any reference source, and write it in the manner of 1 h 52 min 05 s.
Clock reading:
6 h 47 min 54 s
